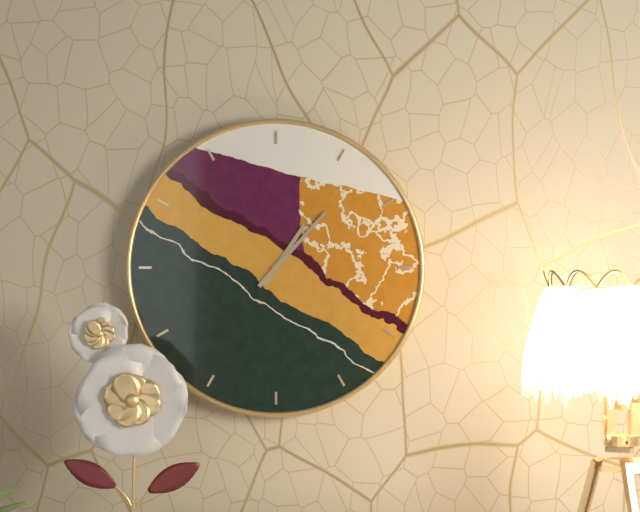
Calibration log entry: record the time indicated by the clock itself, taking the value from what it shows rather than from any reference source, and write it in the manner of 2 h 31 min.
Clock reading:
1 h 07 min
